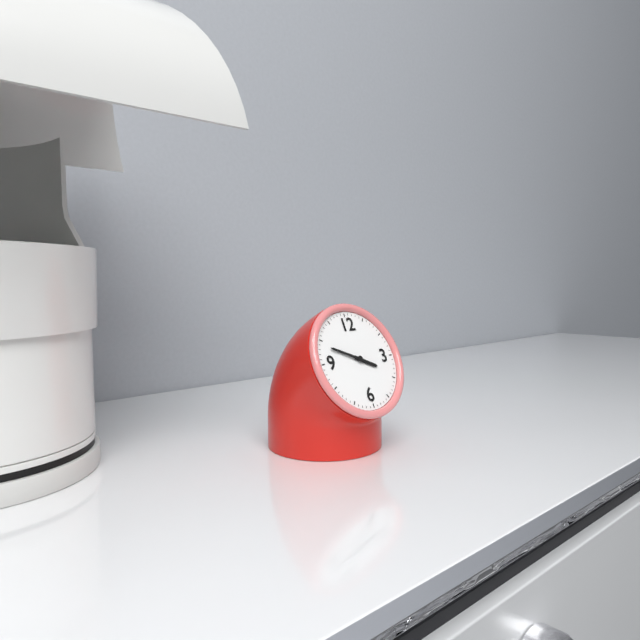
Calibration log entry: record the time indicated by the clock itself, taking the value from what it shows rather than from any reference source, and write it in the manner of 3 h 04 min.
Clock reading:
3 h 49 min
